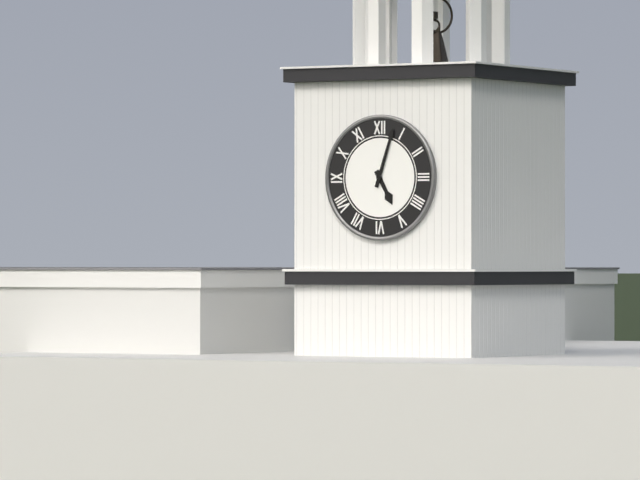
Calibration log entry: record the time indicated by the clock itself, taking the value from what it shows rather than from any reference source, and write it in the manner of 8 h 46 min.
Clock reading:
5 h 03 min
